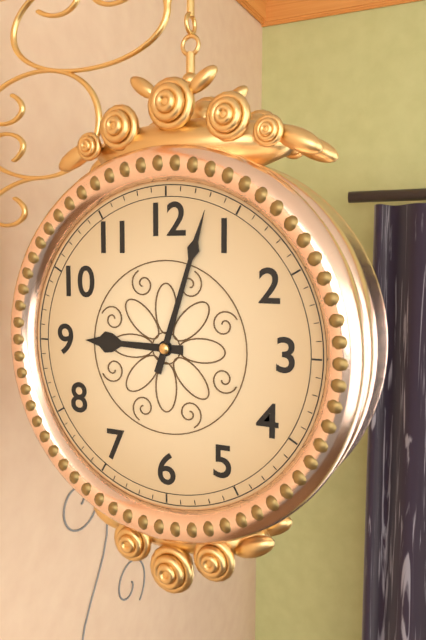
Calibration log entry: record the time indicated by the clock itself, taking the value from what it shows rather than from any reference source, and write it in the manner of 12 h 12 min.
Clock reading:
9 h 03 min
